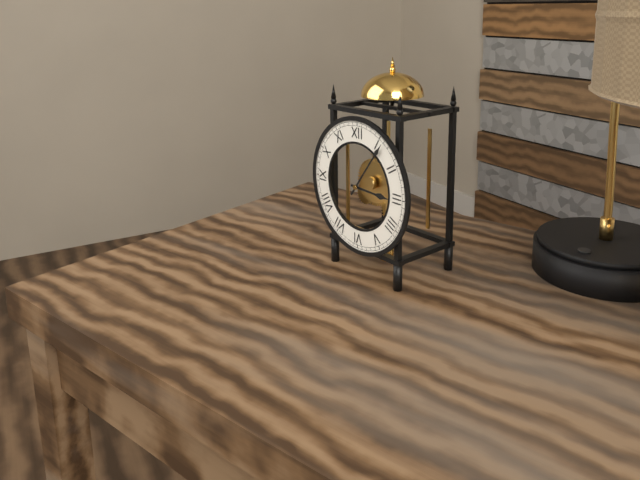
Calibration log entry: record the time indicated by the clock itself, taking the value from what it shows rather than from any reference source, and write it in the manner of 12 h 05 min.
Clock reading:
3 h 06 min
